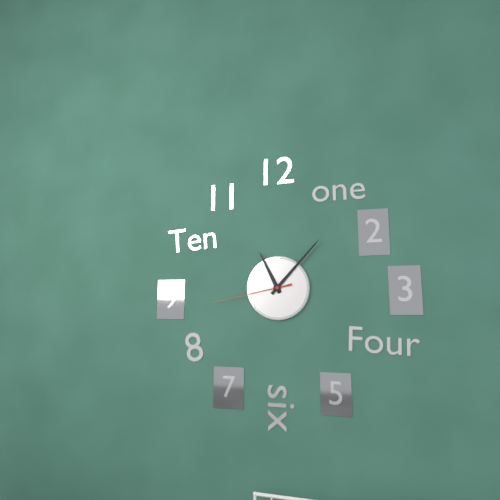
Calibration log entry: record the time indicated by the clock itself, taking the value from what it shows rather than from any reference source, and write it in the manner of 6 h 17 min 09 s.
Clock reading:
11 h 07 min 43 s
